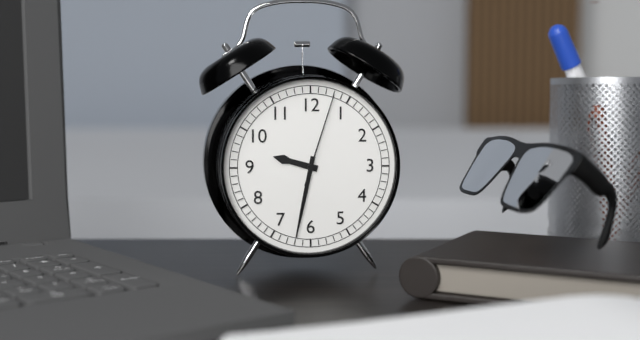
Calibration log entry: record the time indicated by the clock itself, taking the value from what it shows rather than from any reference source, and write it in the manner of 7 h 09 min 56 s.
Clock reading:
9 h 32 min 03 s
